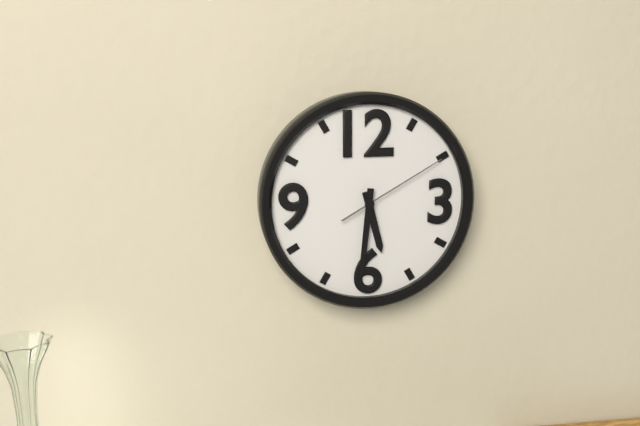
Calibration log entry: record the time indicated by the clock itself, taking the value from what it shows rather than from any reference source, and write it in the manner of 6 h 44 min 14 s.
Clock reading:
5 h 31 min 10 s
